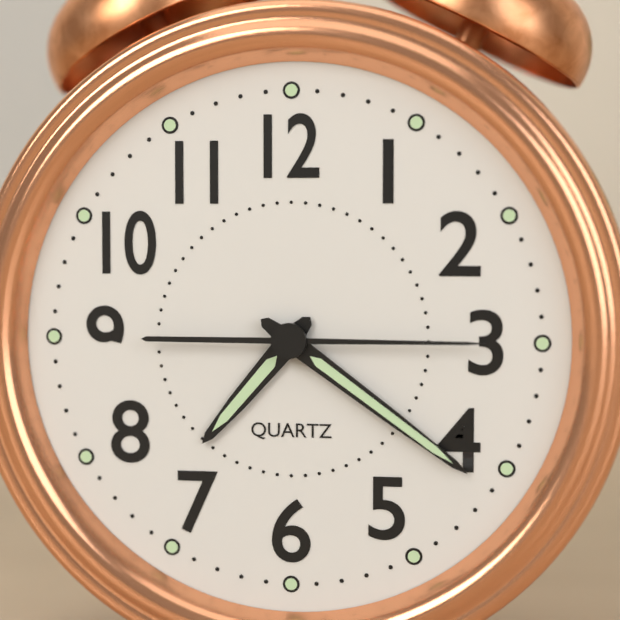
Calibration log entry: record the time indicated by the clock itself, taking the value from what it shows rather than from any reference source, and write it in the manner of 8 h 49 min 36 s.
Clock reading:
7 h 21 min 15 s
